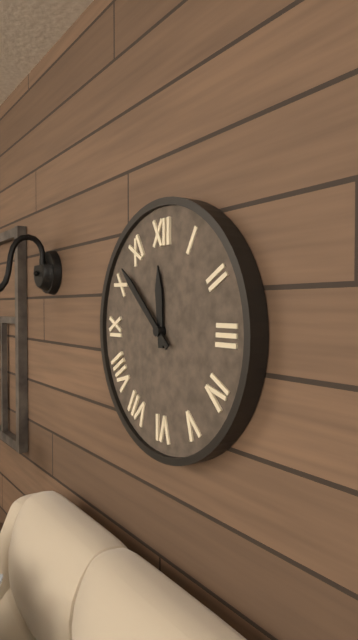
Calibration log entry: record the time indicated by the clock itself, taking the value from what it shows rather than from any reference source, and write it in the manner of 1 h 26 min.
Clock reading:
11 h 52 min
